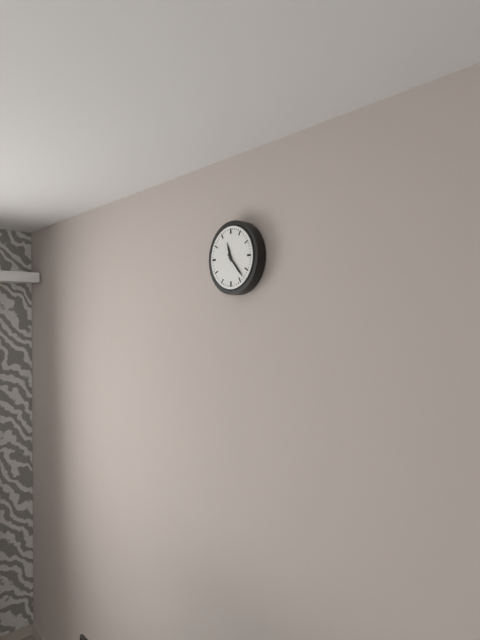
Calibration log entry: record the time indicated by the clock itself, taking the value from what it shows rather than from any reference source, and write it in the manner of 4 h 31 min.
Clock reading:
11 h 23 min
